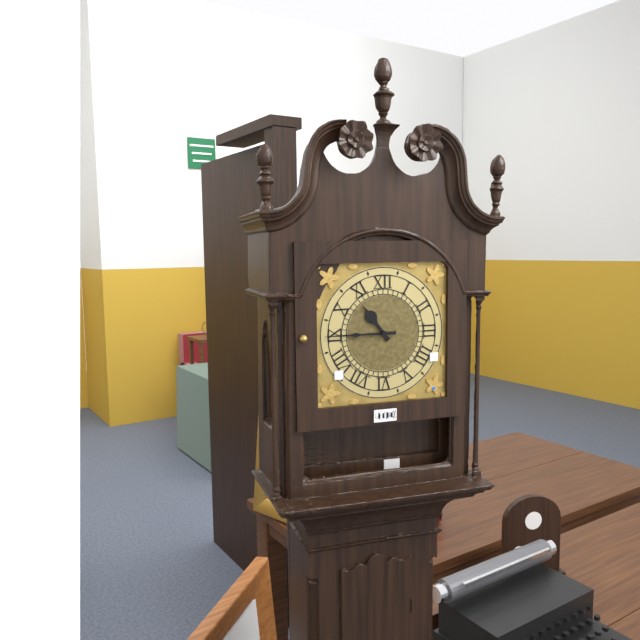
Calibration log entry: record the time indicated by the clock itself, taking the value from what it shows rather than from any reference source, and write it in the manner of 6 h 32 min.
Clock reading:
10 h 45 min
